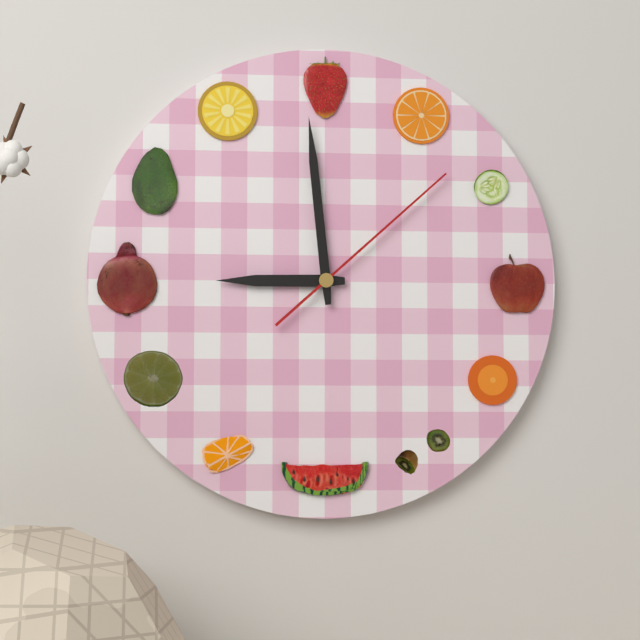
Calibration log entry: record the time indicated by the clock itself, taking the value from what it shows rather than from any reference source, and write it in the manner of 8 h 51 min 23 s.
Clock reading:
8 h 59 min 08 s
